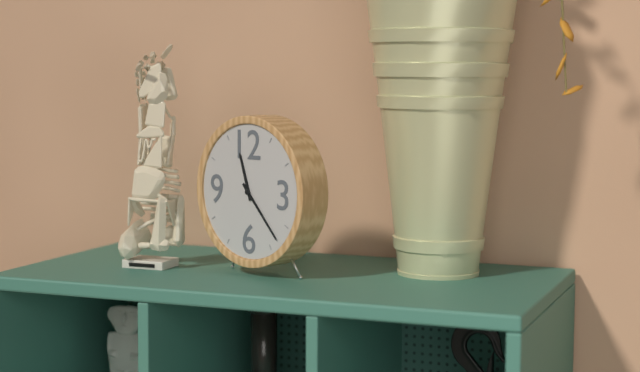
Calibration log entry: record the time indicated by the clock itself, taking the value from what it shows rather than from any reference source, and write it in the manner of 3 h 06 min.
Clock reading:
11 h 23 min
